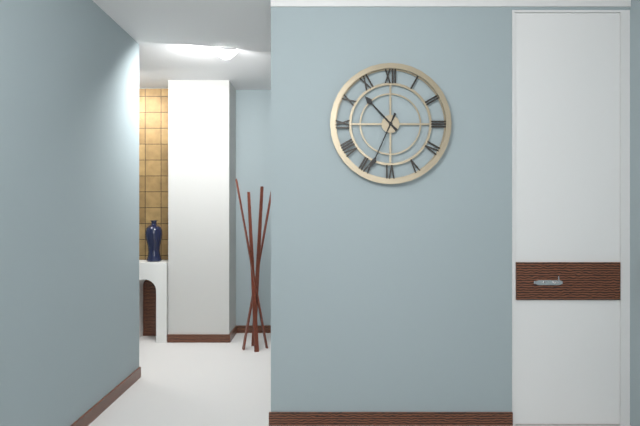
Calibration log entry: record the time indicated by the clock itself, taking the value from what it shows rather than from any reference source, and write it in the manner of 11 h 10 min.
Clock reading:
10 h 34 min
